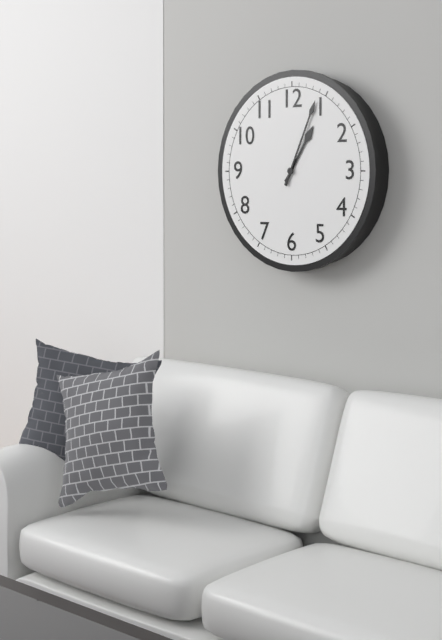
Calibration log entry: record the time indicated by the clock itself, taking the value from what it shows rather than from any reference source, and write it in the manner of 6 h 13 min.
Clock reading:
1 h 04 min
